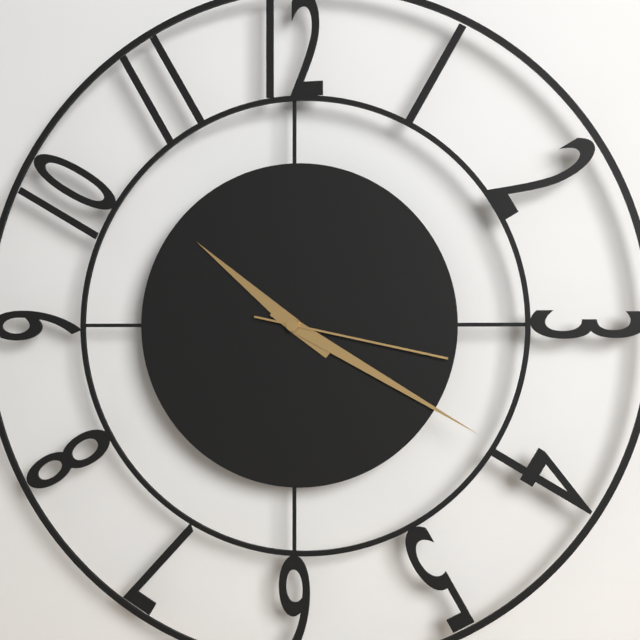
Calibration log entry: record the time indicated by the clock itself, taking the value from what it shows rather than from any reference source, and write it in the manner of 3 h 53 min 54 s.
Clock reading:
10 h 20 min 17 s
